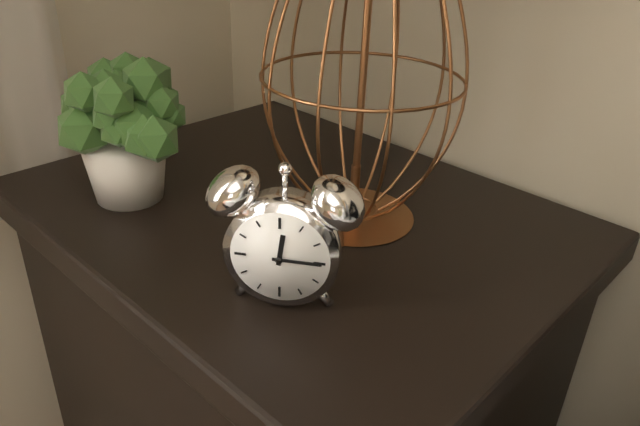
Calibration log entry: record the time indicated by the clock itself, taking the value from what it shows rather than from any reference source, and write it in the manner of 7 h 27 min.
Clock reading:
12 h 15 min
